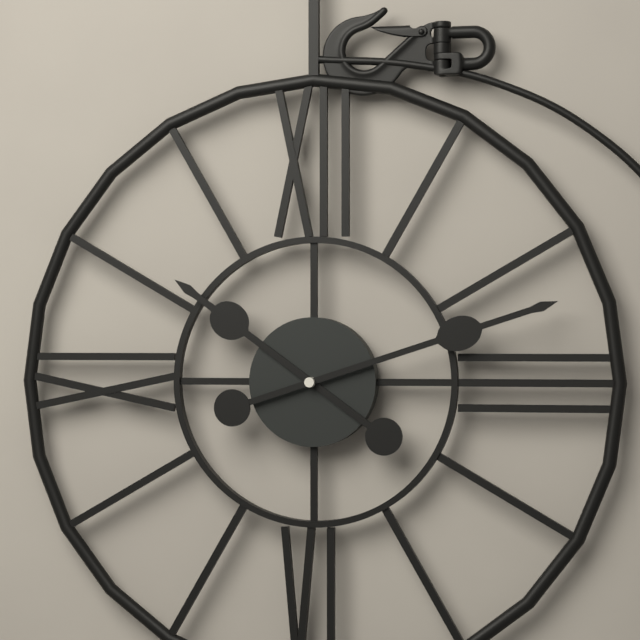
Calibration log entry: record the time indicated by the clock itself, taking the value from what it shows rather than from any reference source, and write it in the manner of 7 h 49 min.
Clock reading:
10 h 12 min
